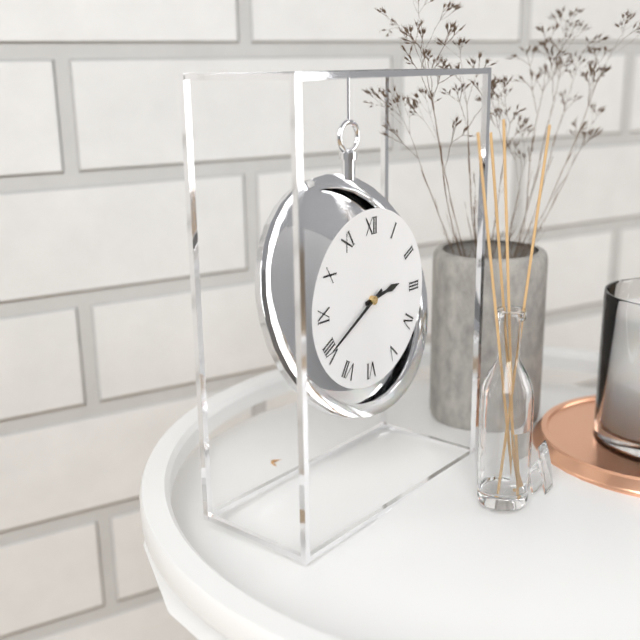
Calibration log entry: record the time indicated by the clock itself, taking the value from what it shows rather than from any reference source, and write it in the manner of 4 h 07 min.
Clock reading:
2 h 40 min
